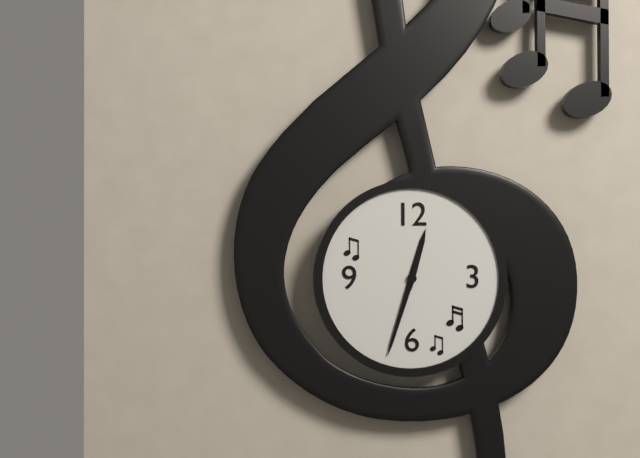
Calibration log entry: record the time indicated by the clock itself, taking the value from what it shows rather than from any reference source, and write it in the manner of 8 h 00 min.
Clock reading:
12 h 33 min
